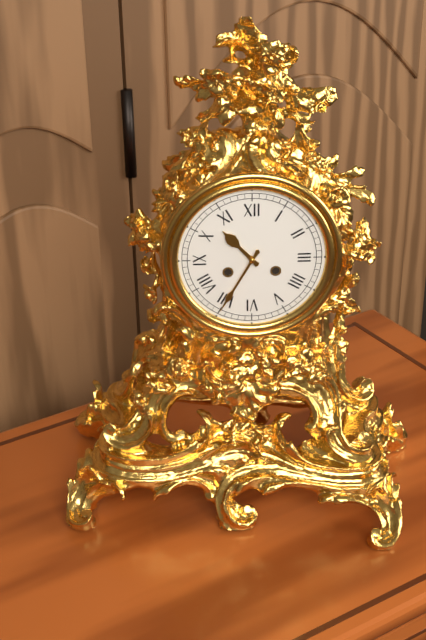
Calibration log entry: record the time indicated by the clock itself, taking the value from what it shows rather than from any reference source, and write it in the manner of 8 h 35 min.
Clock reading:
10 h 35 min
